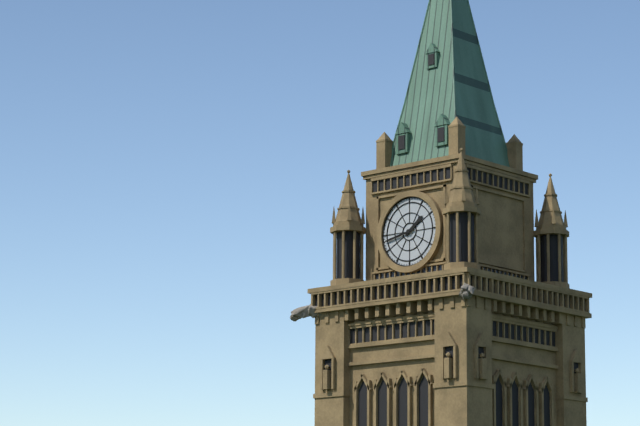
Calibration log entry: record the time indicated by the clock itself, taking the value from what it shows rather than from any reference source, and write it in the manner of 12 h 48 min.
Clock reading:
1 h 43 min
